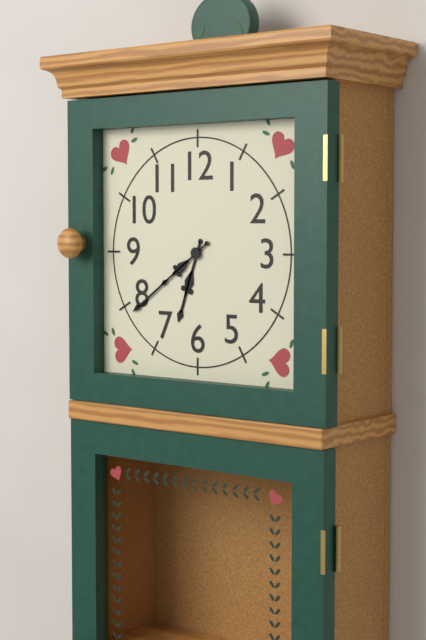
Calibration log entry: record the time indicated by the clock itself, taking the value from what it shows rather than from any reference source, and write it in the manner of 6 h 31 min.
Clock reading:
6 h 39 min
